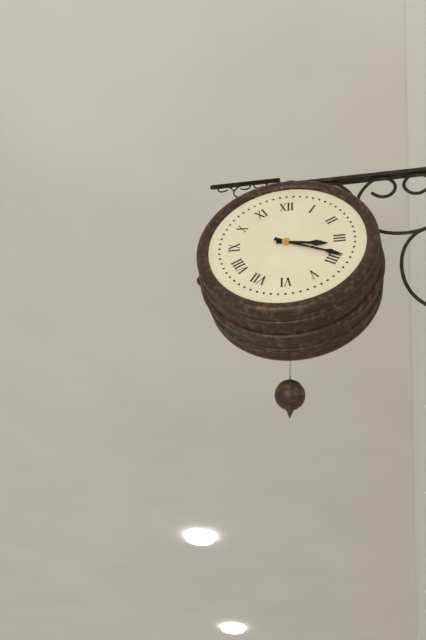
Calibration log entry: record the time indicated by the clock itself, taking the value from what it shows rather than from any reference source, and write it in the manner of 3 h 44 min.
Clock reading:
3 h 19 min
